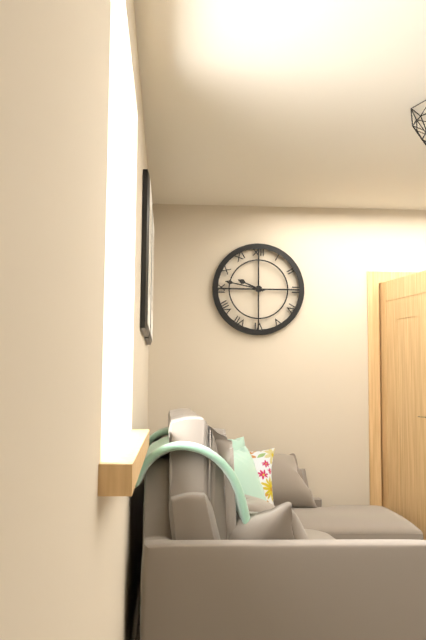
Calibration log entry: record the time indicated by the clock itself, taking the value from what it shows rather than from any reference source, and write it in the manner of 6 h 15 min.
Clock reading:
9 h 47 min
